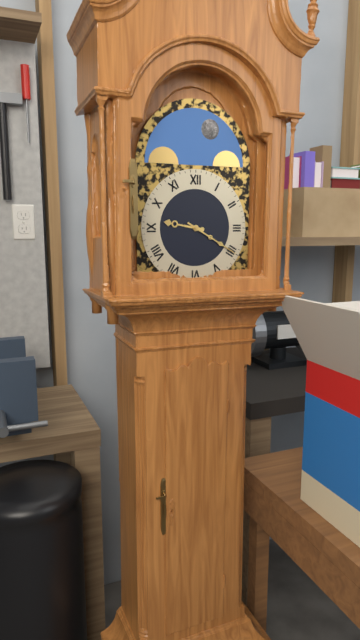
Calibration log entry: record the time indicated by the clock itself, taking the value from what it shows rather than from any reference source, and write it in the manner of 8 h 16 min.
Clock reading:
9 h 20 min
